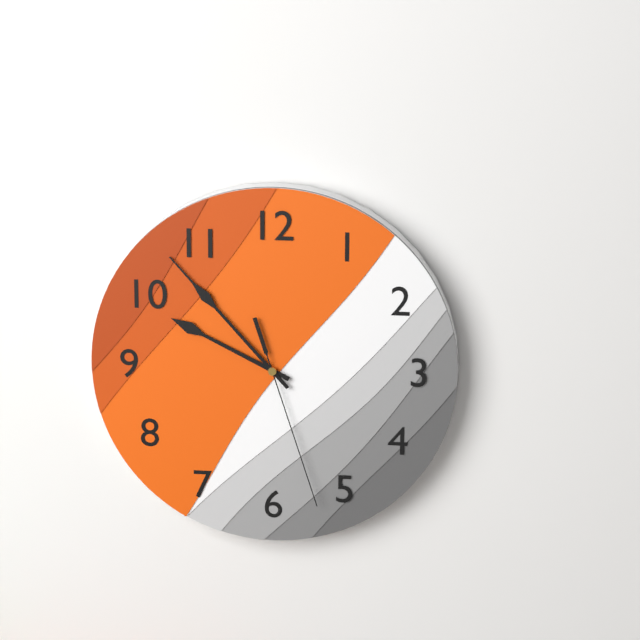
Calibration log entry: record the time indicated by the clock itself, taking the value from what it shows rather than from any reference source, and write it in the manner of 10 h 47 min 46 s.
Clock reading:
9 h 53 min 27 s
